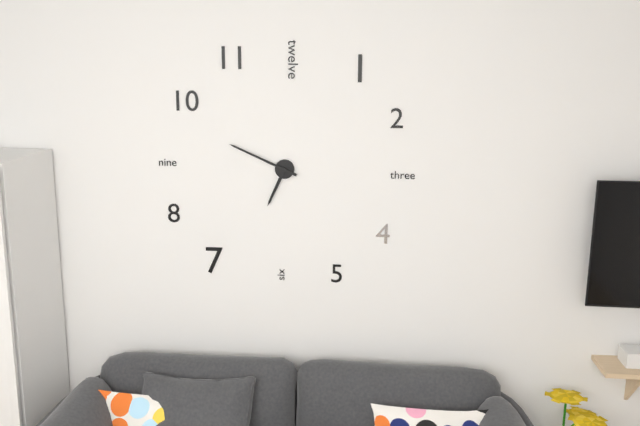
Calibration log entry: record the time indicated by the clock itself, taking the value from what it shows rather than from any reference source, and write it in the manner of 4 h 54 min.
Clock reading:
6 h 49 min
